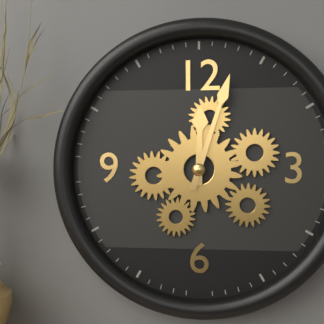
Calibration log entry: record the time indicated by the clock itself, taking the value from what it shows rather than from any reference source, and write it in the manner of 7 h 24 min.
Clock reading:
12 h 03 min
